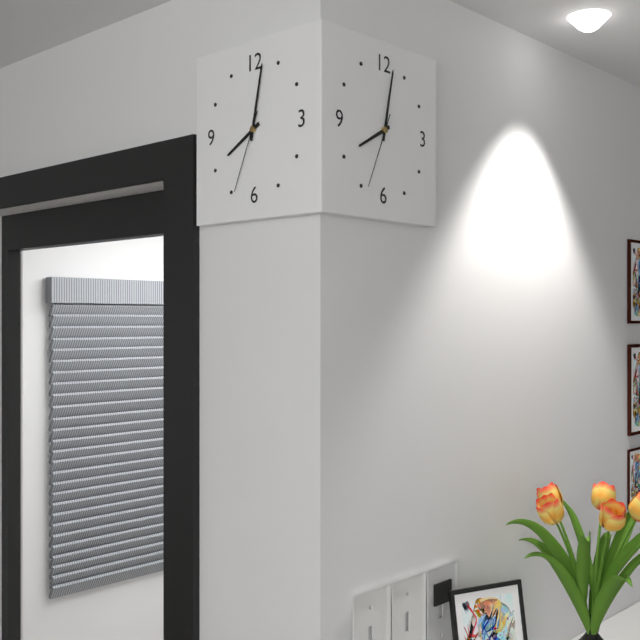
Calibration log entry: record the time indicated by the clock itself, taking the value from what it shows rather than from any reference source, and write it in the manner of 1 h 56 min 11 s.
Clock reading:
8 h 02 min 34 s
